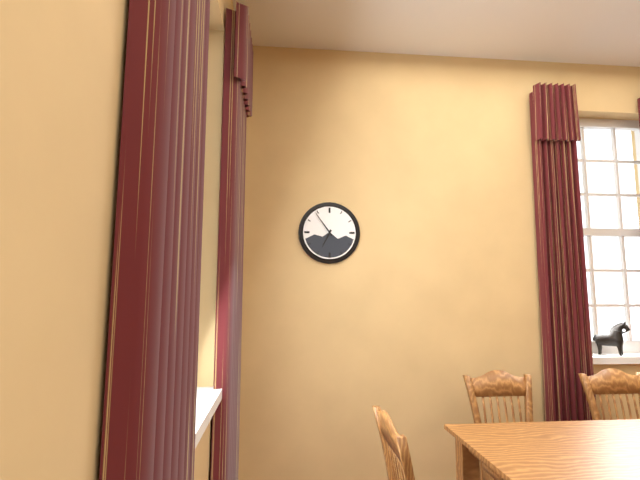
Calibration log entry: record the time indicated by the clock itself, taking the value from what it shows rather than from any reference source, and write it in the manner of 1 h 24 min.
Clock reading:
6 h 54 min
